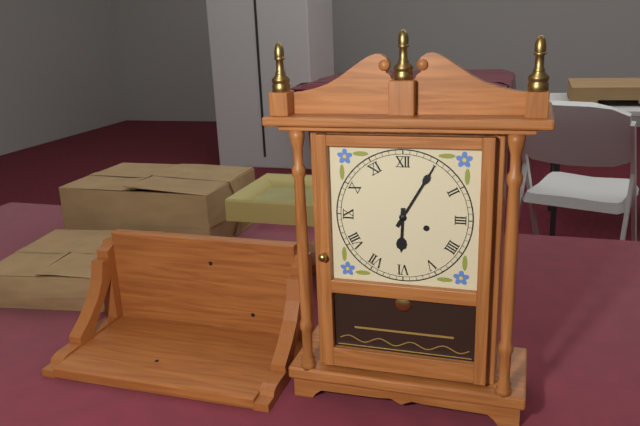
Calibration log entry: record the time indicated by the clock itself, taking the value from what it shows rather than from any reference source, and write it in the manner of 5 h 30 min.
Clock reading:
6 h 05 min
